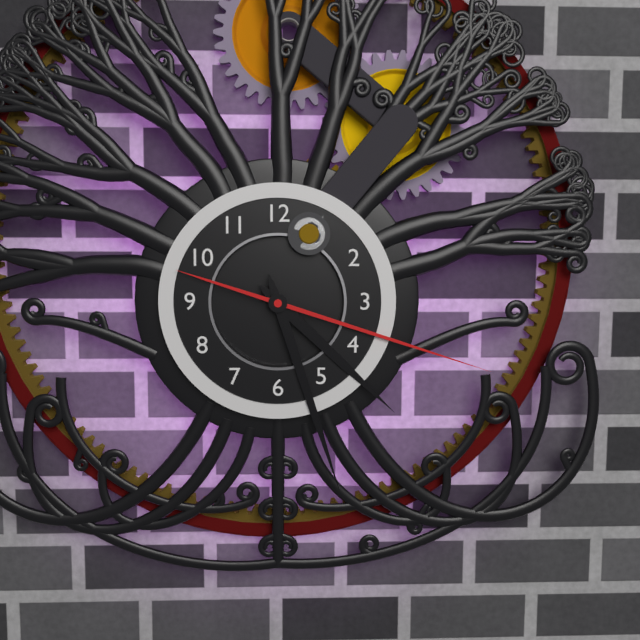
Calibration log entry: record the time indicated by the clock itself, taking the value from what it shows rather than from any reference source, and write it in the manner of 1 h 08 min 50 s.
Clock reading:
4 h 27 min 18 s
